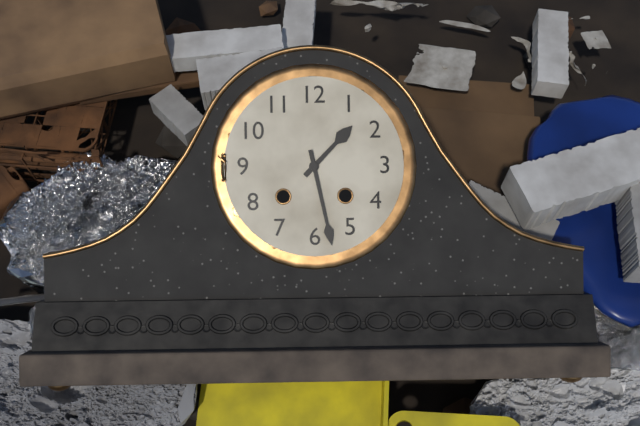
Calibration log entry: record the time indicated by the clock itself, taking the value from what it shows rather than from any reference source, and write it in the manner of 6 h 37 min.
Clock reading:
1 h 28 min
